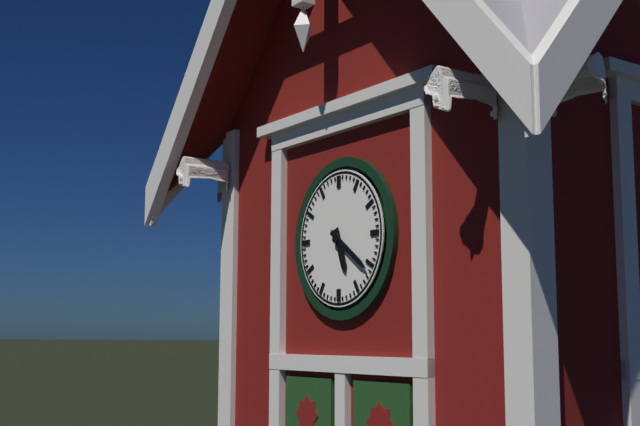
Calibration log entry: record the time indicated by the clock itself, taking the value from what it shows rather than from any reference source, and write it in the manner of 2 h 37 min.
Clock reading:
5 h 21 min
